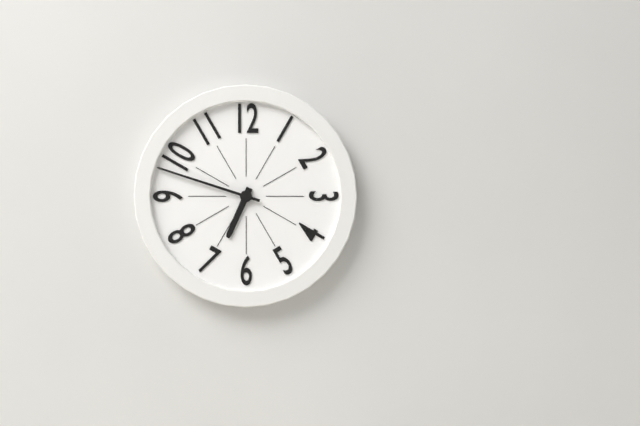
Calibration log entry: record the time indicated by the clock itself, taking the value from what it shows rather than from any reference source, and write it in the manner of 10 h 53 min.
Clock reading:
6 h 48 min
